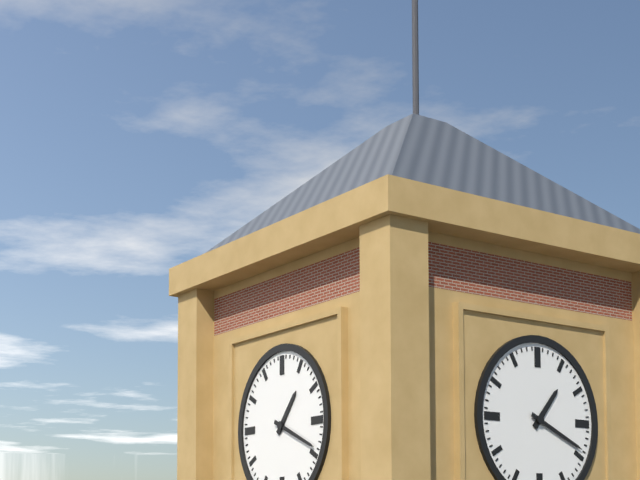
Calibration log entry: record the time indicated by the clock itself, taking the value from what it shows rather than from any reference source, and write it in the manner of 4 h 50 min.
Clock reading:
1 h 19 min
